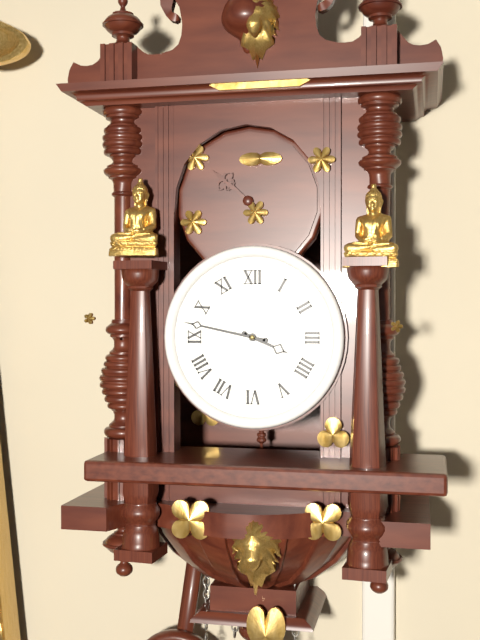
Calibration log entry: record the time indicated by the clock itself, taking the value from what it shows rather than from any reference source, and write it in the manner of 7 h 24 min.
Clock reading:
3 h 47 min
